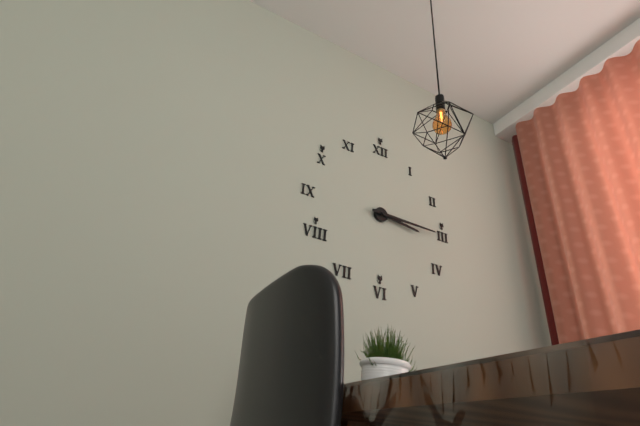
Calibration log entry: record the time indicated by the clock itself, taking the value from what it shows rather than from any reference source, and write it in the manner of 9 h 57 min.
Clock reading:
3 h 15 min
